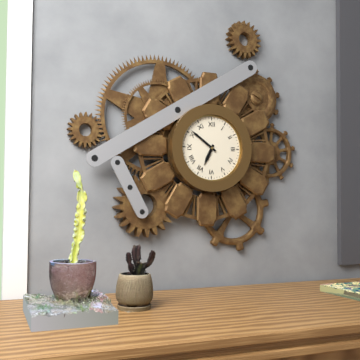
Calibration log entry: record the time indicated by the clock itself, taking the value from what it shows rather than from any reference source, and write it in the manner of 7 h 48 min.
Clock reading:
6 h 51 min
